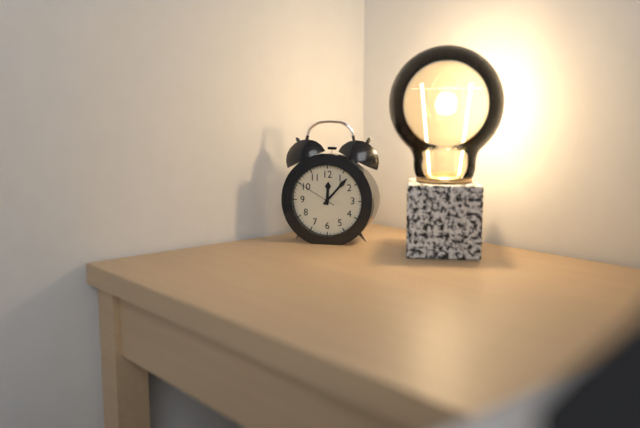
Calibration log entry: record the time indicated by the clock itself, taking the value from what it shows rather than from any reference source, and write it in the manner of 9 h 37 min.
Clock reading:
12 h 07 min
